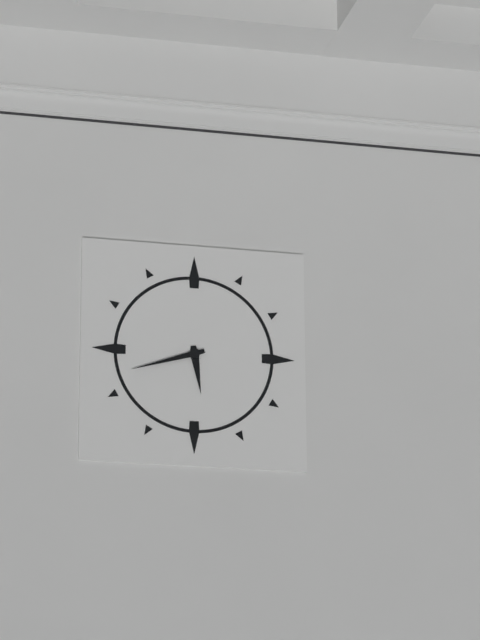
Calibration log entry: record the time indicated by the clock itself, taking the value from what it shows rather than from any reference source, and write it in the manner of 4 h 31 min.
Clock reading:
5 h 42 min
